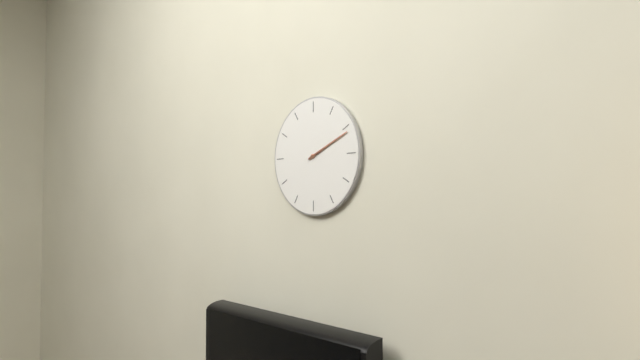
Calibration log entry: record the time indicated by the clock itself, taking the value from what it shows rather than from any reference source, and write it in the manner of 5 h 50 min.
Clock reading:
2 h 11 min
